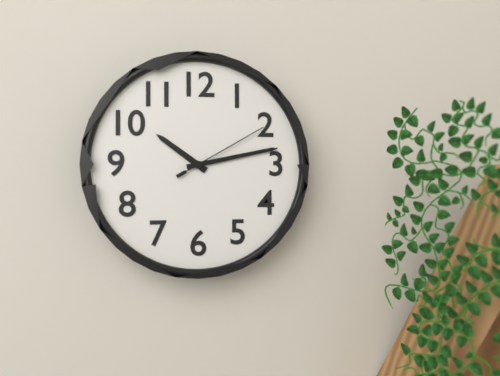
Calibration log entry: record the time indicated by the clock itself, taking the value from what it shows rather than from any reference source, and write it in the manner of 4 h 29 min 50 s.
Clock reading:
10 h 13 min 10 s
